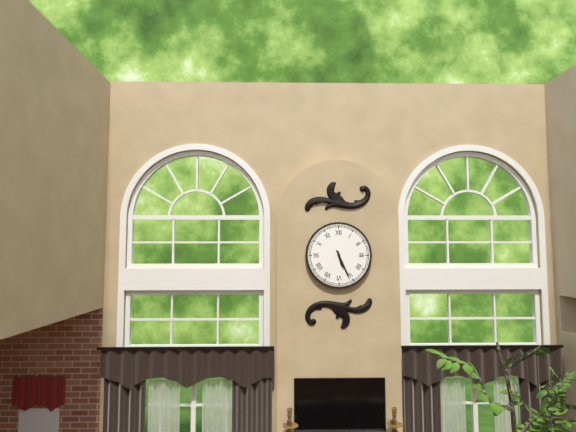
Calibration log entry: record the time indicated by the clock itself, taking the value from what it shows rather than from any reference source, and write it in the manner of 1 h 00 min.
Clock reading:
5 h 26 min
